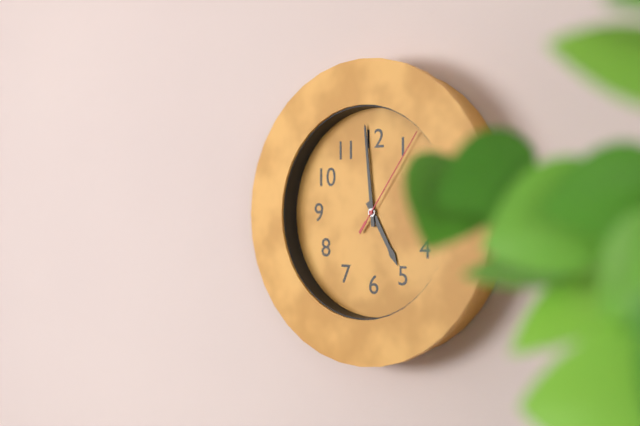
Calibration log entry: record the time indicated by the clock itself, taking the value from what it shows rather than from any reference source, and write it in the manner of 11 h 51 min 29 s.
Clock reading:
4 h 59 min 06 s
